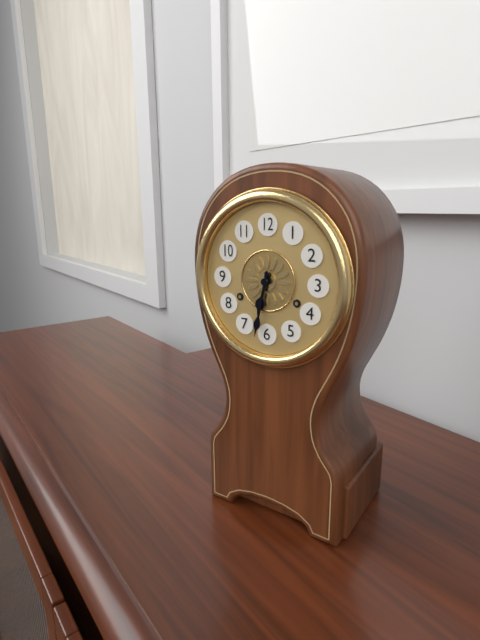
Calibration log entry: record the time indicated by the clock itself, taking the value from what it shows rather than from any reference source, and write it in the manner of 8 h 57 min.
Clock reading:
6 h 32 min
